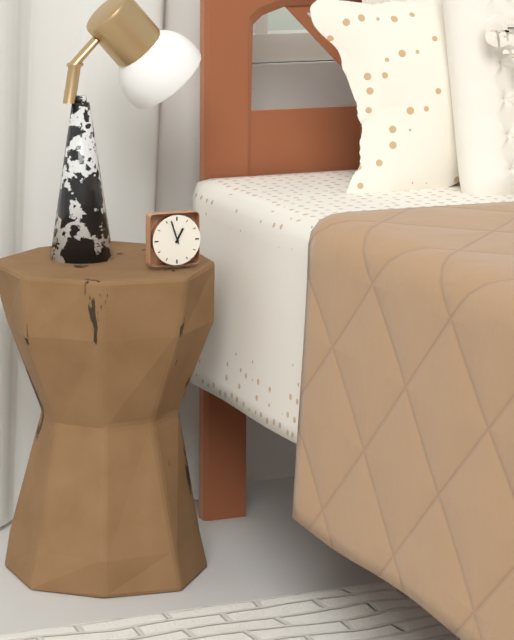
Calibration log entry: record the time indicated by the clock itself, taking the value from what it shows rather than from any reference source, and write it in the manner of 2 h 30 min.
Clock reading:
12 h 57 min
